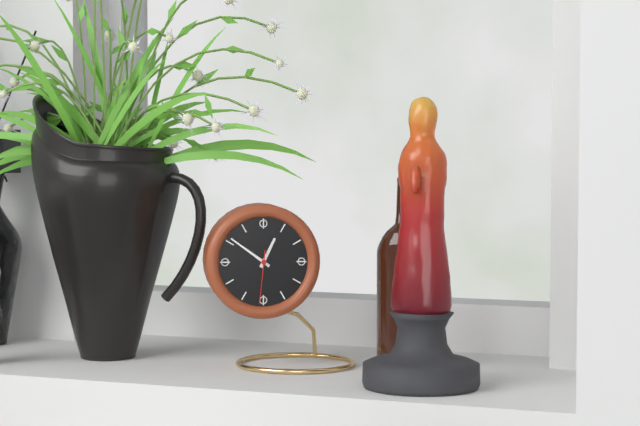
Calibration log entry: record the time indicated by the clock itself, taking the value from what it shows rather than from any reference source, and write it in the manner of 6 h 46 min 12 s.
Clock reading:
12 h 51 min 31 s
